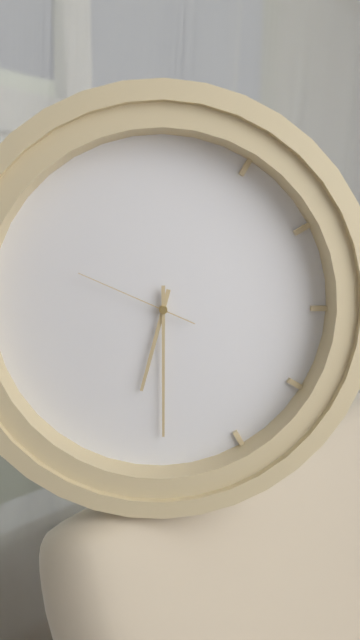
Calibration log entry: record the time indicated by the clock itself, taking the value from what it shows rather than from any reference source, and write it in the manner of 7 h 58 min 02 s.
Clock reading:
6 h 30 min 49 s
